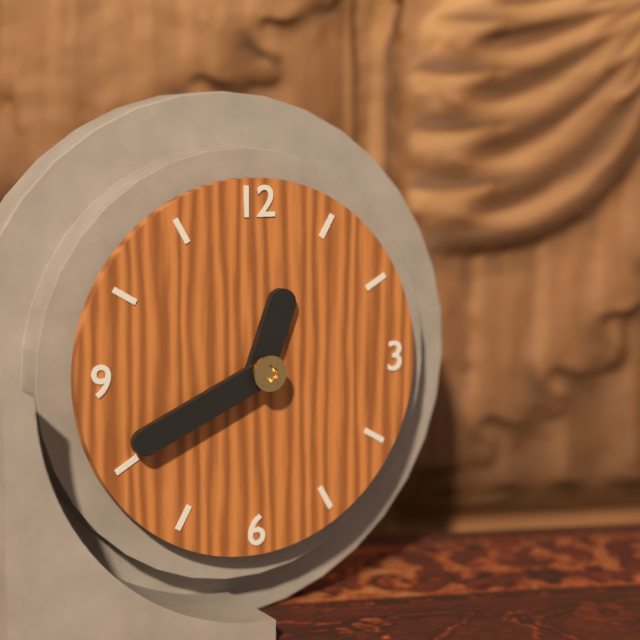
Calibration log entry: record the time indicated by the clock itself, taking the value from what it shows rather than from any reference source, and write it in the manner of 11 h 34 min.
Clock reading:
12 h 41 min
